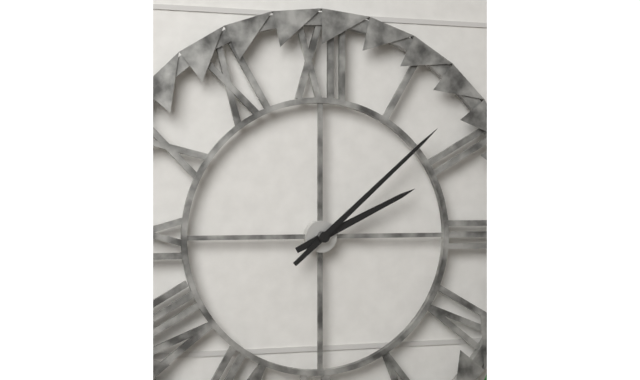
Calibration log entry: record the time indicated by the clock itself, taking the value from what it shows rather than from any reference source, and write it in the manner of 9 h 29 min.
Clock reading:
2 h 08 min
